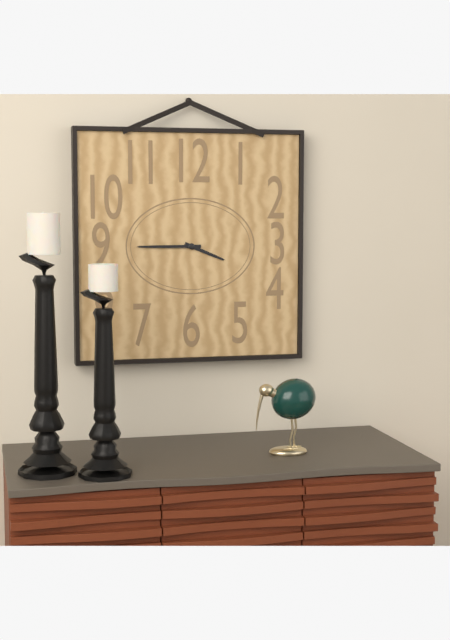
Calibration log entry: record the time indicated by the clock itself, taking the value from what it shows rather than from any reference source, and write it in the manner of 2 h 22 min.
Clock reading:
3 h 45 min
